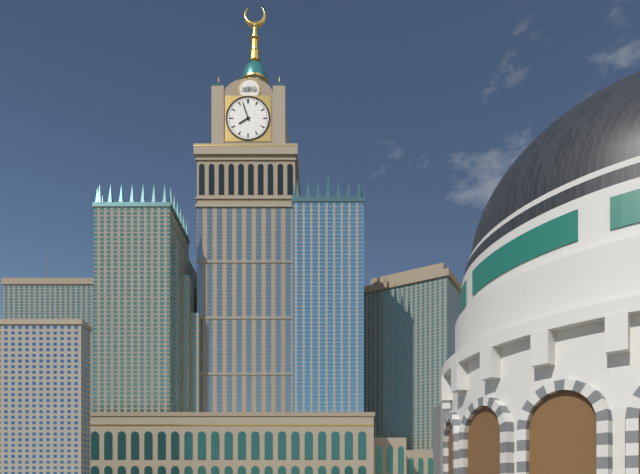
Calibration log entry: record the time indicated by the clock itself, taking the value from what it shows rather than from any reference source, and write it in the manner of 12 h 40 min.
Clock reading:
7 h 57 min
